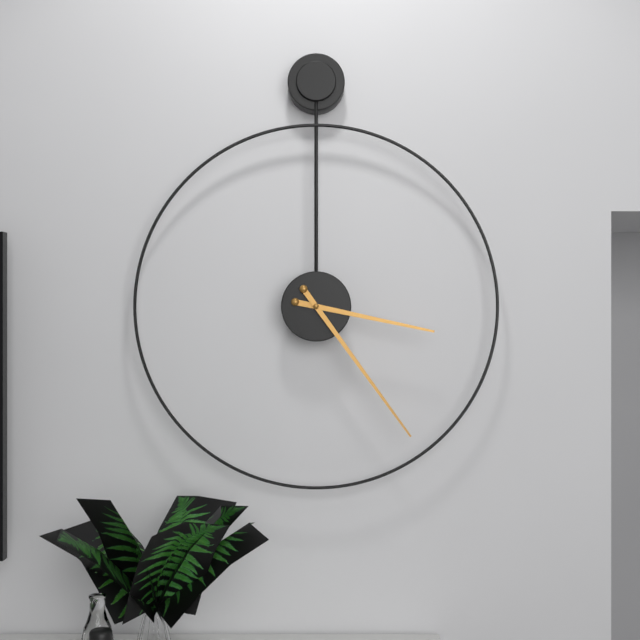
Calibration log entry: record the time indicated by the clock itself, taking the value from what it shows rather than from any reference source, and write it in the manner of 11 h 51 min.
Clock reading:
3 h 24 min
